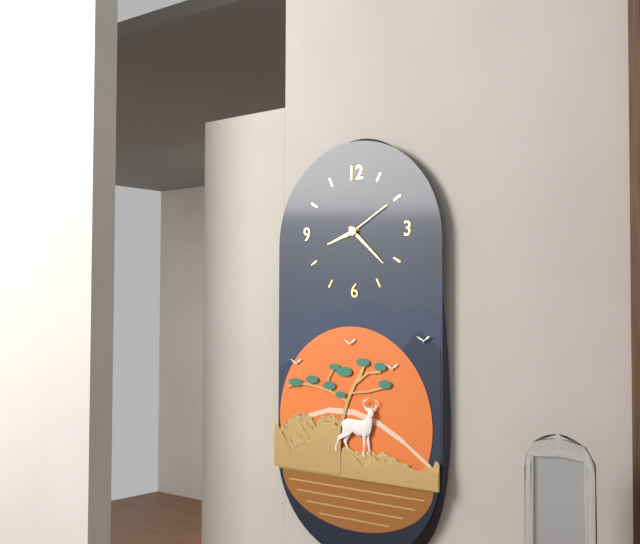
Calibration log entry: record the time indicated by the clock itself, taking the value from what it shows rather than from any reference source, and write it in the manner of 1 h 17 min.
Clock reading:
8 h 22 min
